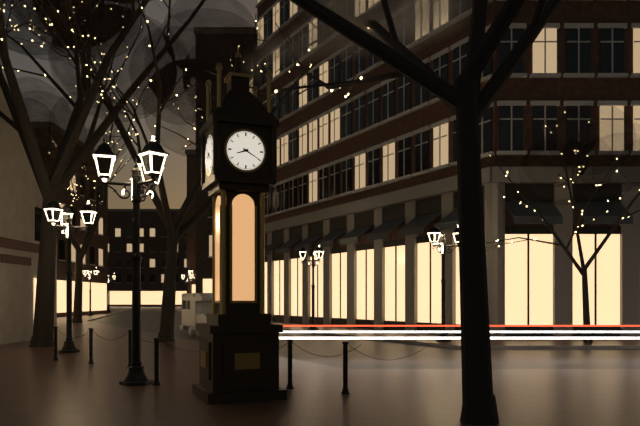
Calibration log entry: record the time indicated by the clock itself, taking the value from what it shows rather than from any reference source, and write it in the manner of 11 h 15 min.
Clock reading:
8 h 20 min
